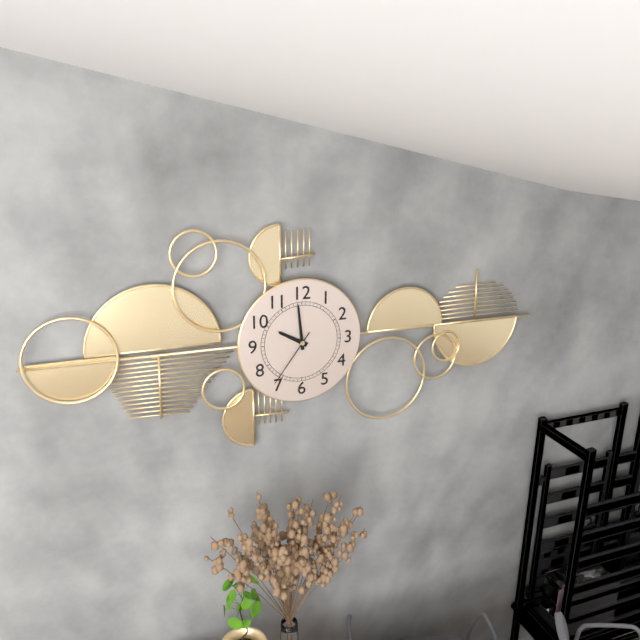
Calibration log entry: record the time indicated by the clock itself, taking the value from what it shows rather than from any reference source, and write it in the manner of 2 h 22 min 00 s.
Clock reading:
9 h 59 min 36 s
